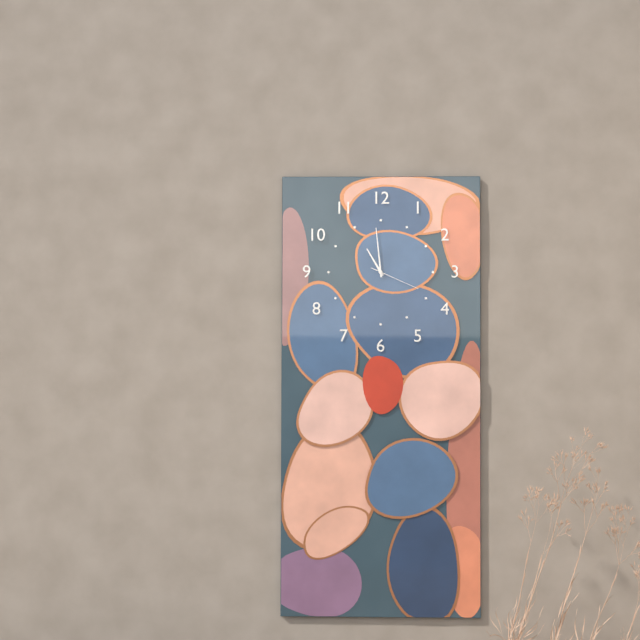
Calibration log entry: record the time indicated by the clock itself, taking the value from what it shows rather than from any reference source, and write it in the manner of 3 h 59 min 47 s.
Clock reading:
10 h 59 min 19 s
